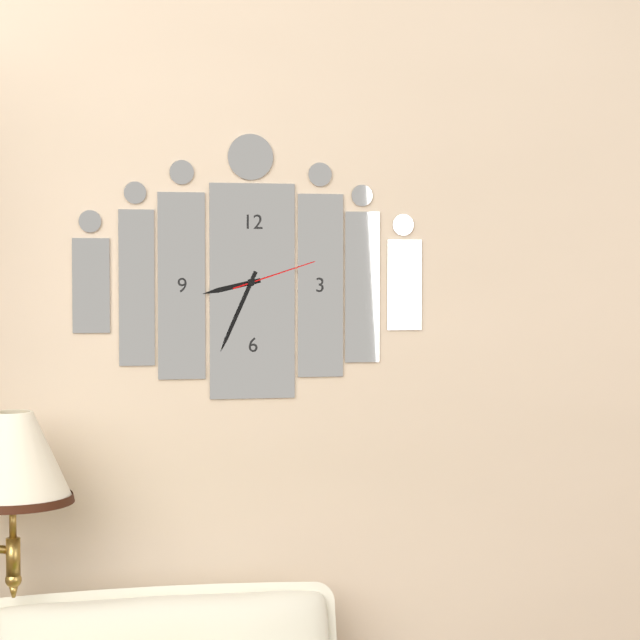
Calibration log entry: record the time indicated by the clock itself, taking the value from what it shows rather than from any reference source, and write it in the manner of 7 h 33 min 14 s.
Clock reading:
8 h 34 min 12 s
